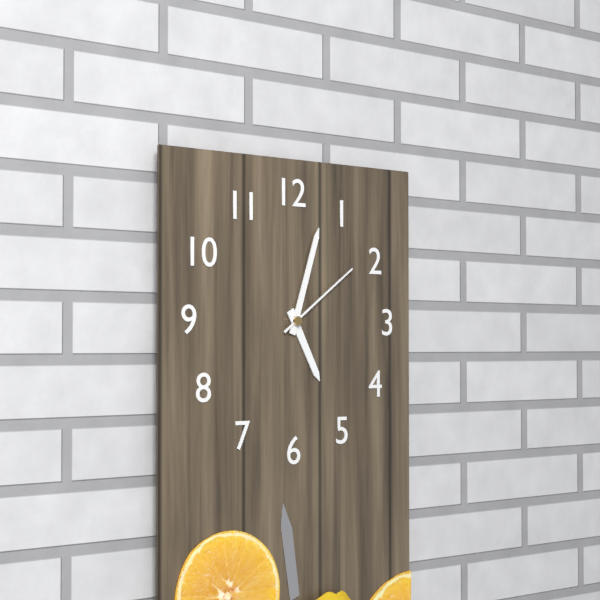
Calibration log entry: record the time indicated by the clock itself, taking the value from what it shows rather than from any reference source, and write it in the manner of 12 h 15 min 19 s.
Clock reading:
5 h 03 min 09 s
